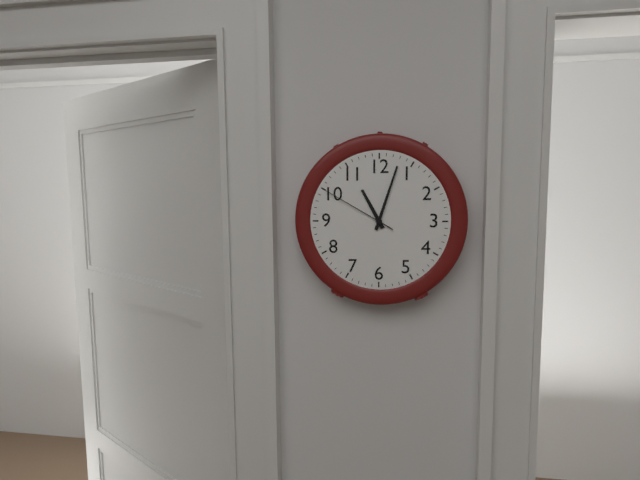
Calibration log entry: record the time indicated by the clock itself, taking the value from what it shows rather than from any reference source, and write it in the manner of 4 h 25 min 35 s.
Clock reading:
11 h 03 min 50 s
